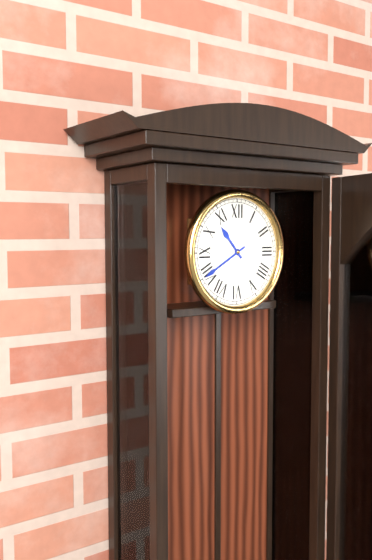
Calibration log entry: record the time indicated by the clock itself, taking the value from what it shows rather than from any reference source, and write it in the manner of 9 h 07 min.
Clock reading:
10 h 40 min
